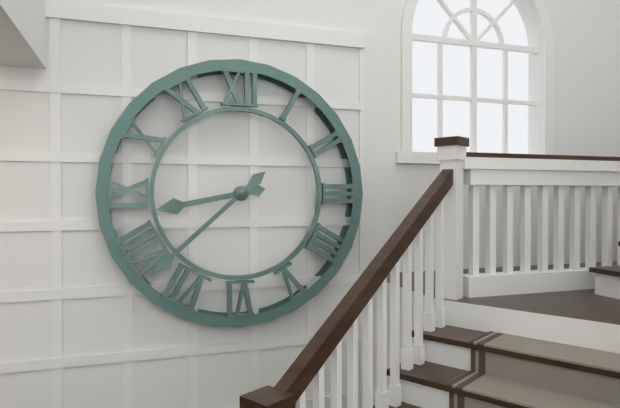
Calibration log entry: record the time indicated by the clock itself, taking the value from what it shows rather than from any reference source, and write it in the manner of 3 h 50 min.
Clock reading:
8 h 38 min
